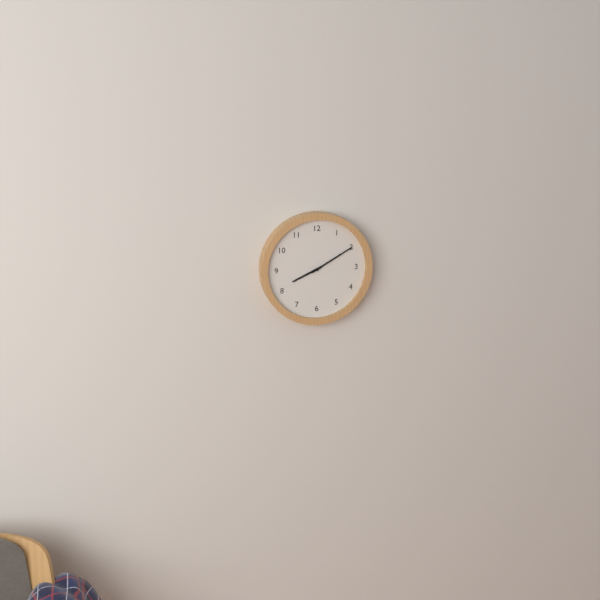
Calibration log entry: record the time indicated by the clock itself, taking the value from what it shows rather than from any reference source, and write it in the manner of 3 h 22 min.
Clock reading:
8 h 10 min
